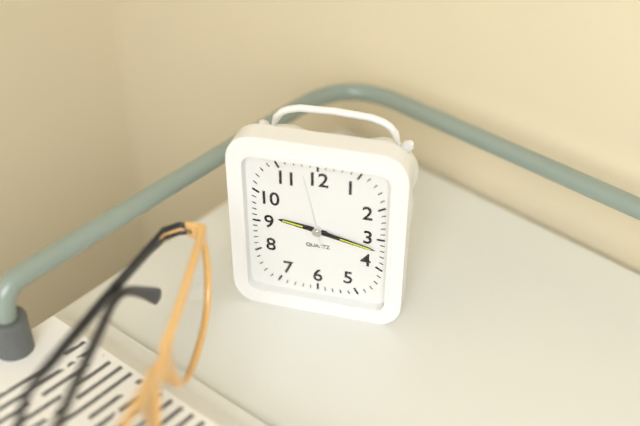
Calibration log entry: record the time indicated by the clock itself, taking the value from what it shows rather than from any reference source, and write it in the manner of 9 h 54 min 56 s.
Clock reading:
9 h 17 min 58 s
